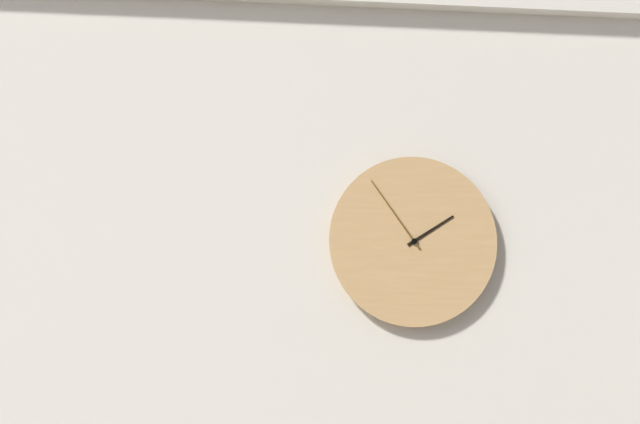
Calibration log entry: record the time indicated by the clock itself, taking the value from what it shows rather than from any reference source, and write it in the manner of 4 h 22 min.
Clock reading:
1 h 54 min
